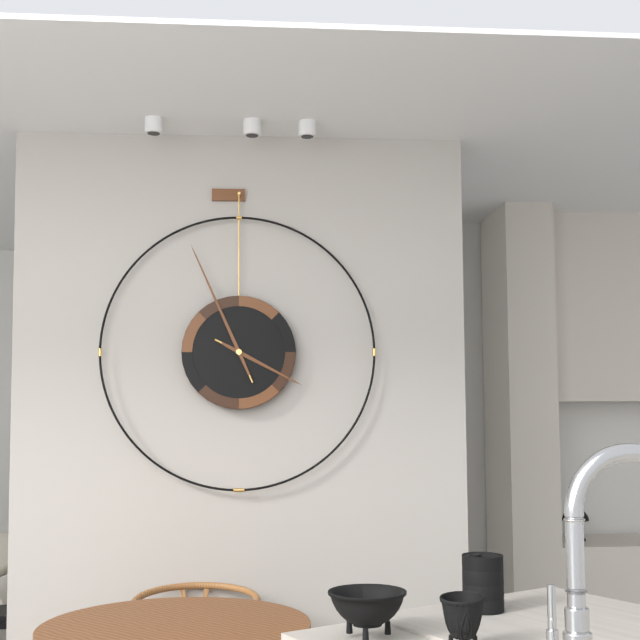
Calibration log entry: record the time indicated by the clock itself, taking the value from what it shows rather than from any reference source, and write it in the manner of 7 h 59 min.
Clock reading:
3 h 56 min
